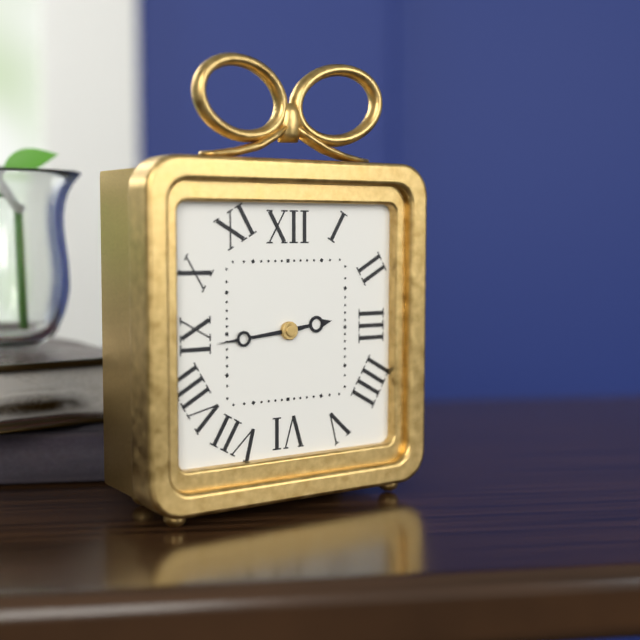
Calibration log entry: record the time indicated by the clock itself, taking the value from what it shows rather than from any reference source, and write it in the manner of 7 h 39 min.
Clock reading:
2 h 44 min
